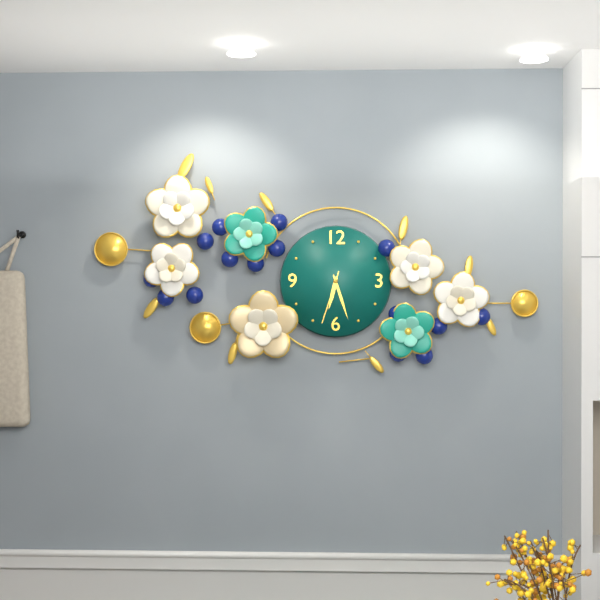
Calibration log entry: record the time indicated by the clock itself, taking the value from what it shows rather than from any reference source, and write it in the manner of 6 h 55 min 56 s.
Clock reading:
6 h 27 min 33 s
